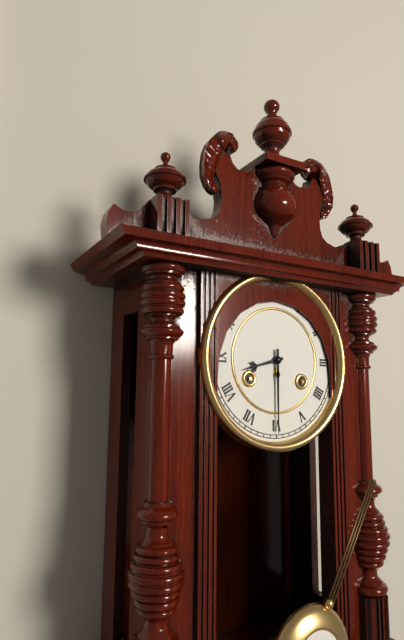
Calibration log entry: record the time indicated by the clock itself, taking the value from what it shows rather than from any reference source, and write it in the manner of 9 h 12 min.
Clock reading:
8 h 30 min
